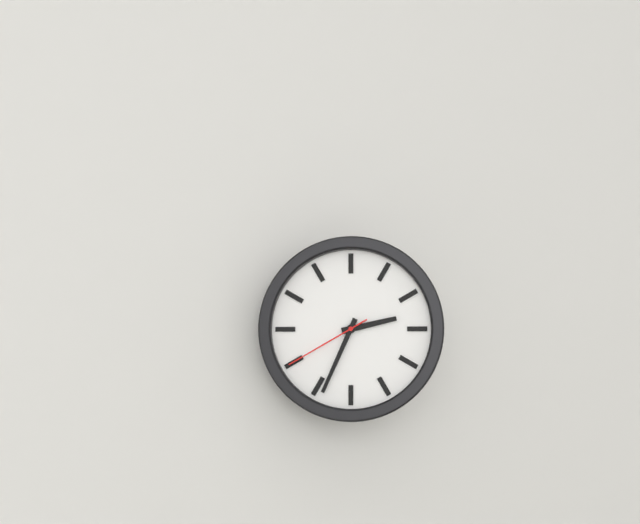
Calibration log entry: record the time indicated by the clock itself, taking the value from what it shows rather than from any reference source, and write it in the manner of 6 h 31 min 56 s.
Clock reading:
2 h 34 min 40 s
